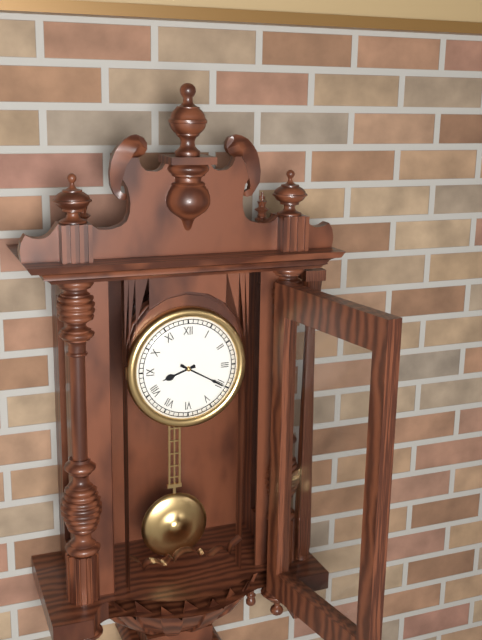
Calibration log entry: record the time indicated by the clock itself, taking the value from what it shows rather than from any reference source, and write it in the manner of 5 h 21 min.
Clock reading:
8 h 20 min
